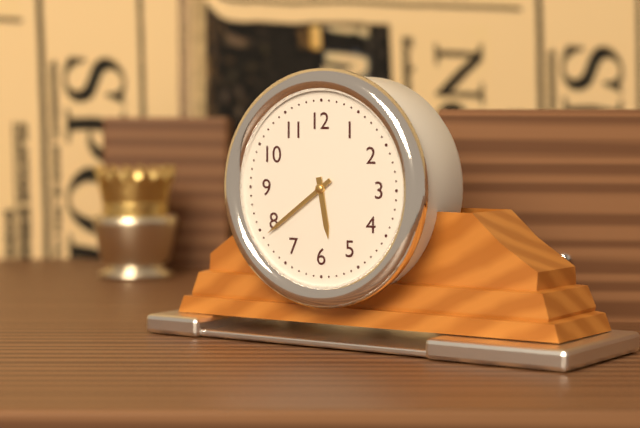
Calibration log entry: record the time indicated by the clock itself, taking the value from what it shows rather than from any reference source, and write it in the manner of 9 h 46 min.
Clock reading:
5 h 39 min
